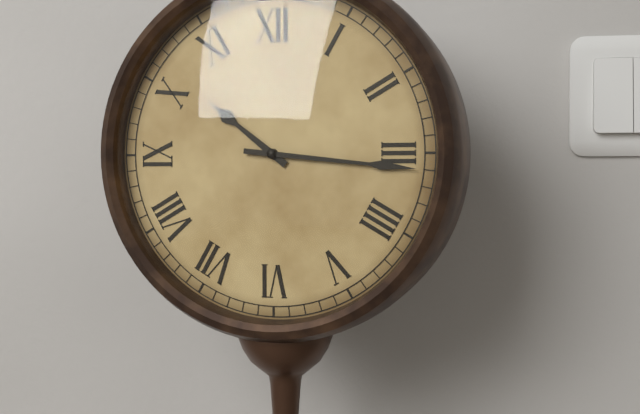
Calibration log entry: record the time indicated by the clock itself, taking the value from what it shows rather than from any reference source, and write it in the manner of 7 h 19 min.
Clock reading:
10 h 16 min
